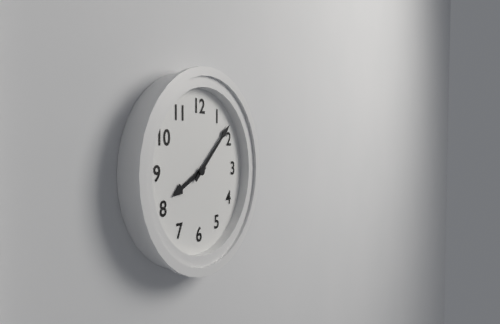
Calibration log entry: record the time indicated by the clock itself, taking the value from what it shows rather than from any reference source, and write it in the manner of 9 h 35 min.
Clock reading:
8 h 08 min
